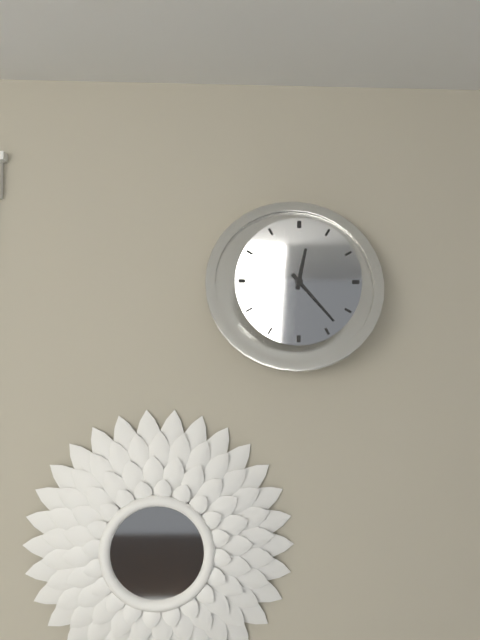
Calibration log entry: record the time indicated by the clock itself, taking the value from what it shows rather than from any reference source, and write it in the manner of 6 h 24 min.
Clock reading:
12 h 23 min
